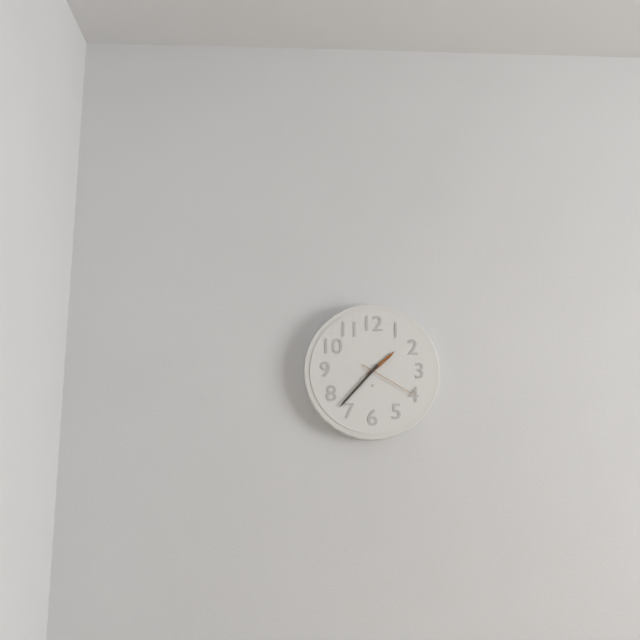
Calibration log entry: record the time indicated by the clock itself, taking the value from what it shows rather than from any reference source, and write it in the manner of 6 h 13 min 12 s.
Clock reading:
1 h 37 min 20 s
